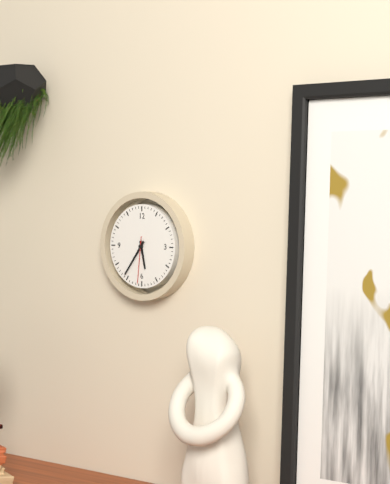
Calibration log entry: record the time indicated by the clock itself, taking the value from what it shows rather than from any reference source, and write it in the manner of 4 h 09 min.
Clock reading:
5 h 36 min
